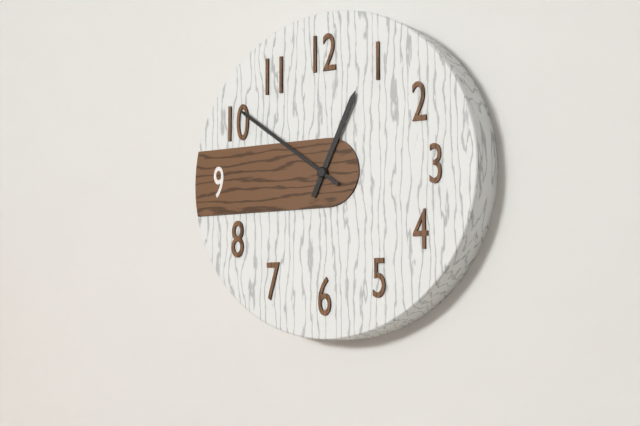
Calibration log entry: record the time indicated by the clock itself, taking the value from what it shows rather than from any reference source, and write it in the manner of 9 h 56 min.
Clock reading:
12 h 51 min
